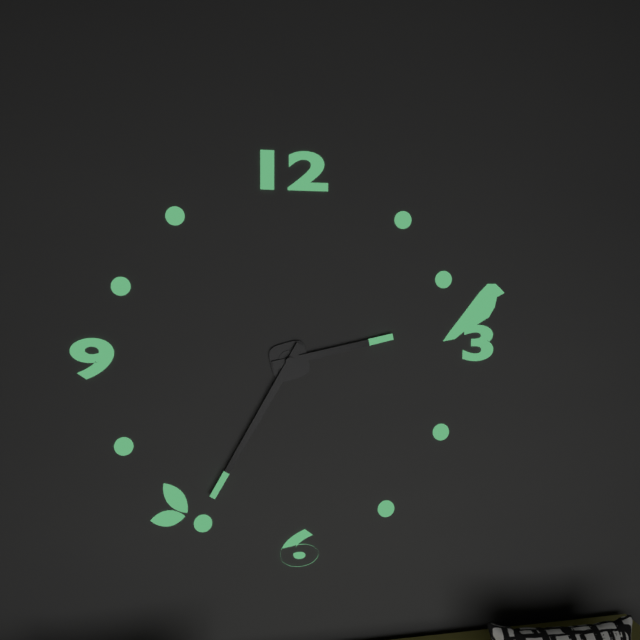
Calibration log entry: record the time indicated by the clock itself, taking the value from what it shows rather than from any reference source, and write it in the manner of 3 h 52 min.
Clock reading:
2 h 35 min
